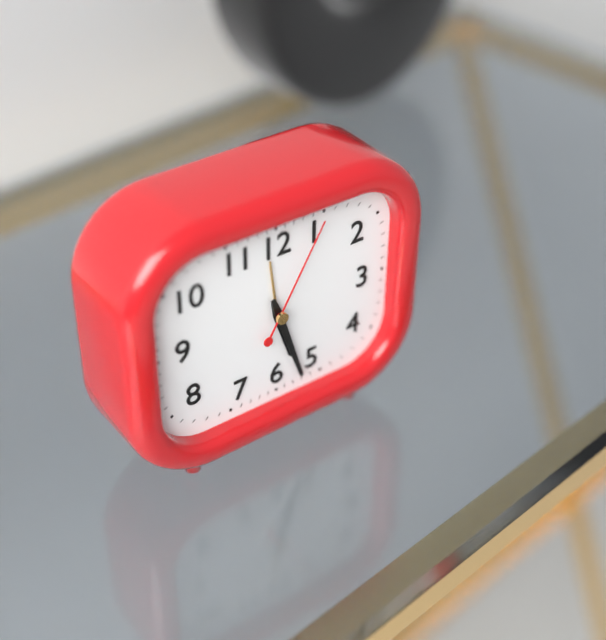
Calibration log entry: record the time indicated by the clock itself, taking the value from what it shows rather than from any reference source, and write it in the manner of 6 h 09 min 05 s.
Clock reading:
5 h 27 min 05 s
